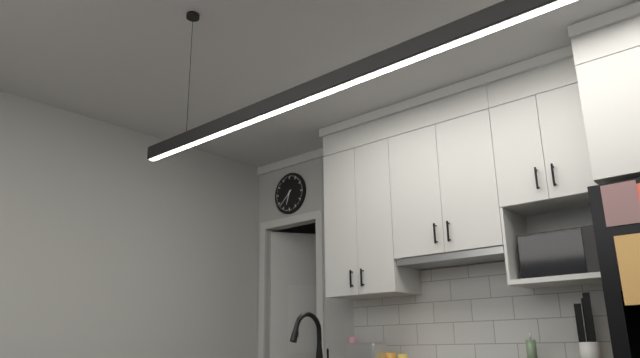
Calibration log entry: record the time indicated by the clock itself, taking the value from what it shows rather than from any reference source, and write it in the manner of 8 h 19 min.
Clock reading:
6 h 38 min
